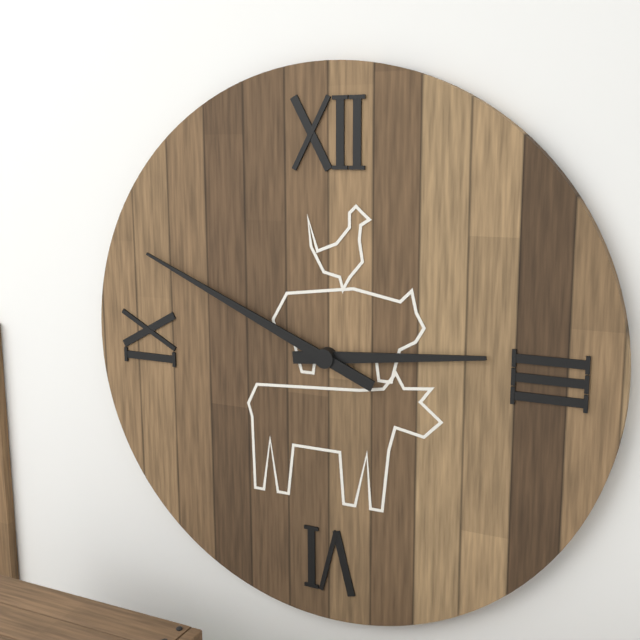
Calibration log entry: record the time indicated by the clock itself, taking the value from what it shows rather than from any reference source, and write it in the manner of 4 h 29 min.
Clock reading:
2 h 49 min
